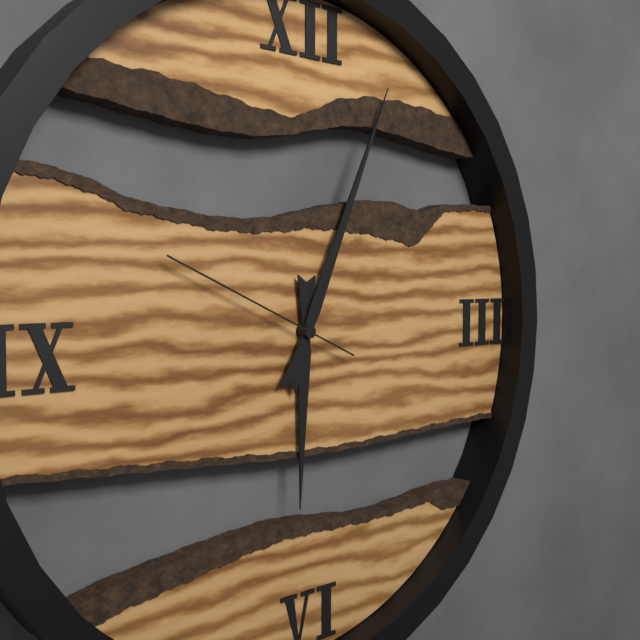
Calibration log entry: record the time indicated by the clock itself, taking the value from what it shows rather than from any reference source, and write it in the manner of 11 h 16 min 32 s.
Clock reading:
6 h 04 min 49 s
